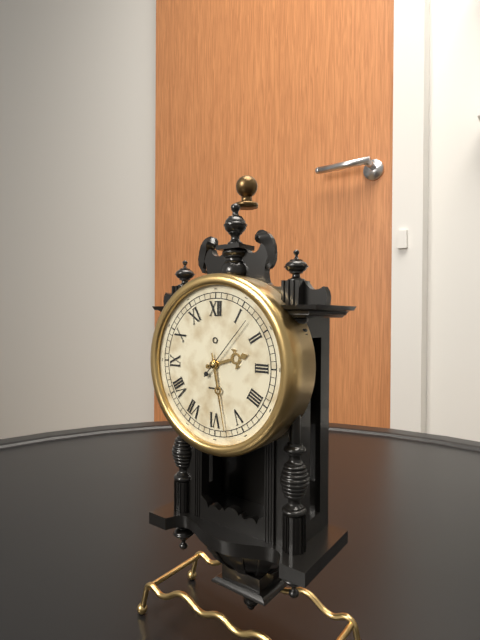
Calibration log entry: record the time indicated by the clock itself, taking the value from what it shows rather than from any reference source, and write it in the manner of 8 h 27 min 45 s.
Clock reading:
2 h 28 min 07 s
